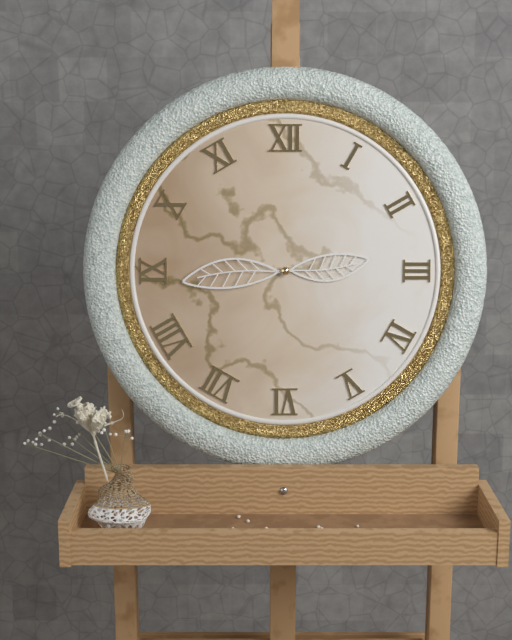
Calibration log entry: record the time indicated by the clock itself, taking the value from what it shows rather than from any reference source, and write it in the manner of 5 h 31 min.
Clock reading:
2 h 44 min
